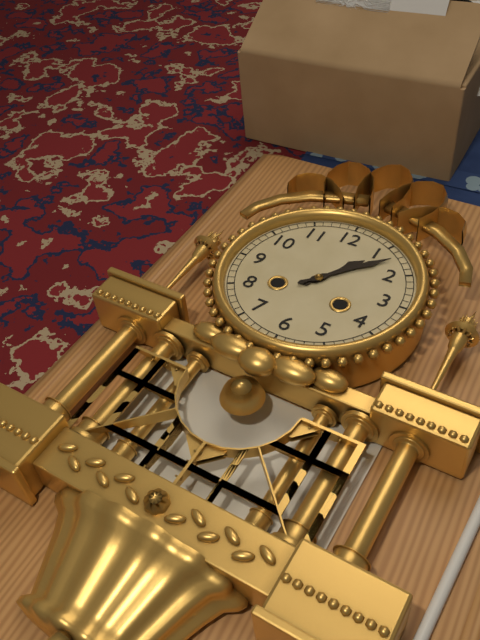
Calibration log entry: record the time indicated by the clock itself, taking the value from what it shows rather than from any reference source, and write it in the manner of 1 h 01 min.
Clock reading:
1 h 07 min
